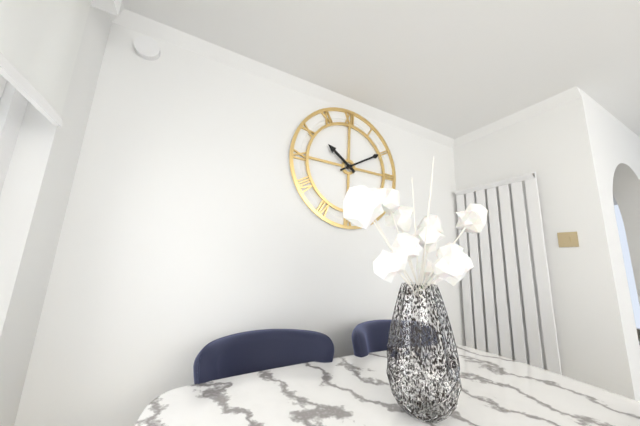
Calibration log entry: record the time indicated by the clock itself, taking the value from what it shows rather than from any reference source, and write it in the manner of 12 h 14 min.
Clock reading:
10 h 10 min
